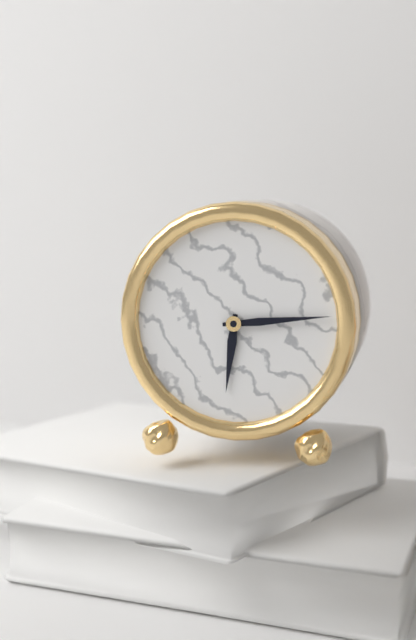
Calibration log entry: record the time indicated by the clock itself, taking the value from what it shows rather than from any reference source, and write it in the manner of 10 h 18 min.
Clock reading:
6 h 14 min
